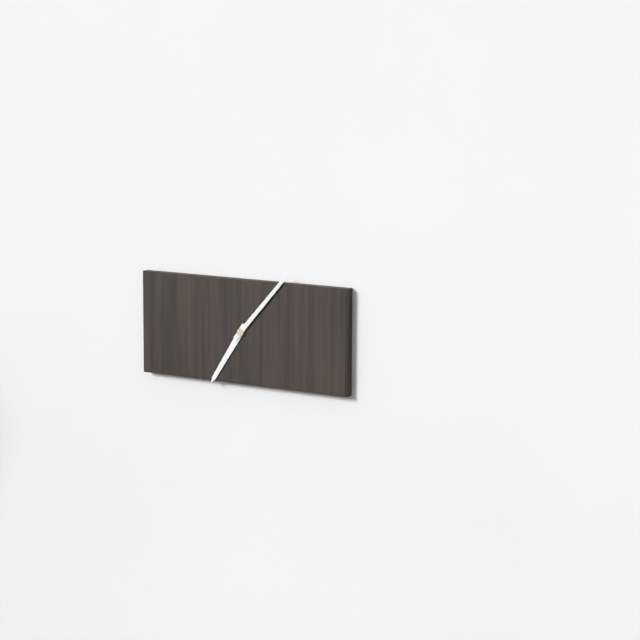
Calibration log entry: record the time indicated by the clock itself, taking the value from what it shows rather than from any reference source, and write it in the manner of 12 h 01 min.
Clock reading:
7 h 07 min
